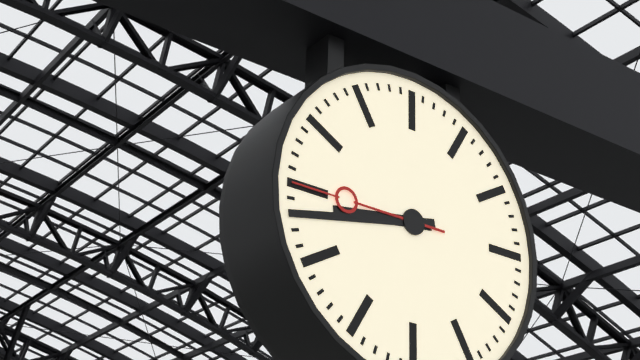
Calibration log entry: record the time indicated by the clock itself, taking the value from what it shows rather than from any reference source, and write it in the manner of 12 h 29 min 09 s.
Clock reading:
8 h 43 min 45 s
